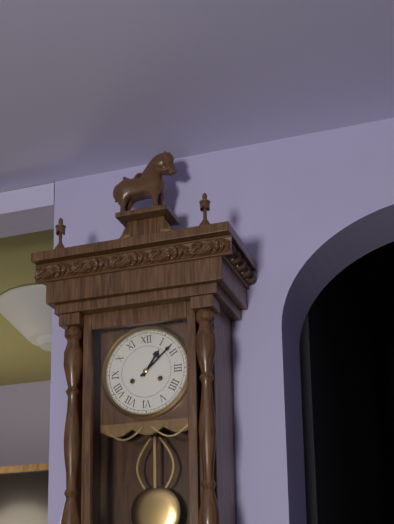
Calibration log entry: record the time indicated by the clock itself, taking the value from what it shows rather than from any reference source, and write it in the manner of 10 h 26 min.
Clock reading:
1 h 08 min
